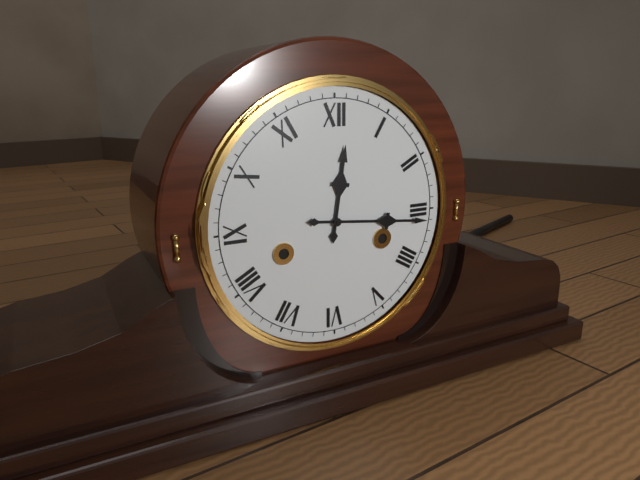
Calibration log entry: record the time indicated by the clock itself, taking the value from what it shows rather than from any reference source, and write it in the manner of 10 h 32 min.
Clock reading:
12 h 16 min
